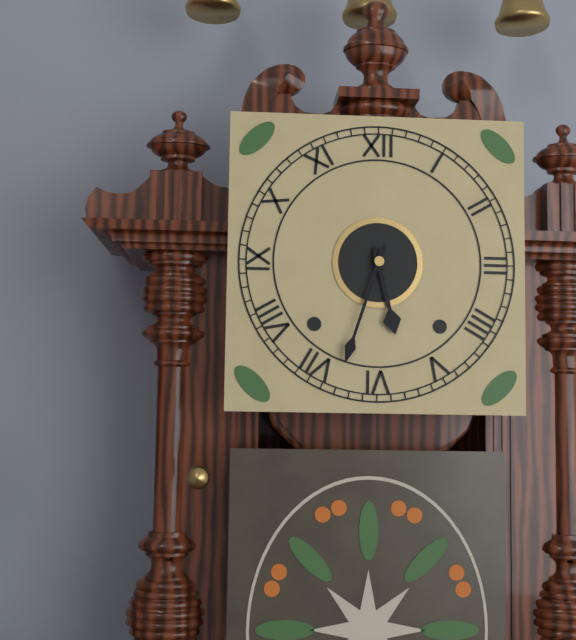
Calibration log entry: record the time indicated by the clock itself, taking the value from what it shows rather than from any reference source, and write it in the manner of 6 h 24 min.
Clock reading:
5 h 33 min
